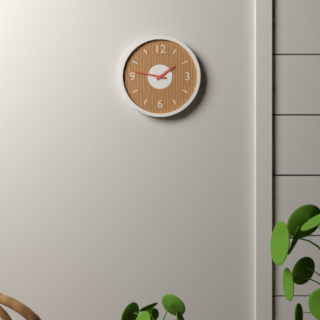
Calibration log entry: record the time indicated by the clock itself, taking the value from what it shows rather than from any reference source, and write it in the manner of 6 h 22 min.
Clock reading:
1 h 47 min
